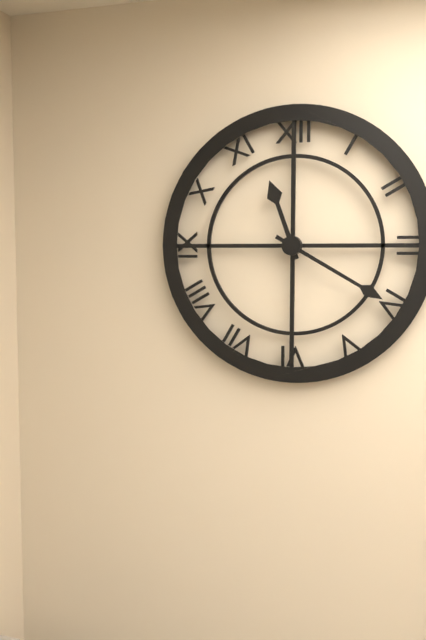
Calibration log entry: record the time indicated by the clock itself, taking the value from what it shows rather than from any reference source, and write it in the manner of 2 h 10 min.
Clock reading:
11 h 20 min
